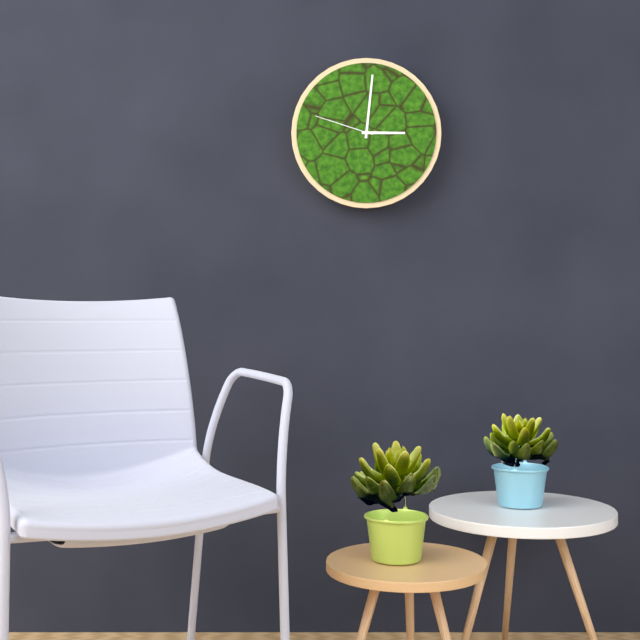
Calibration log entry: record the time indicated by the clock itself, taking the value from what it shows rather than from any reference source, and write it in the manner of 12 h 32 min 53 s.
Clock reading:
3 h 01 min 48 s
